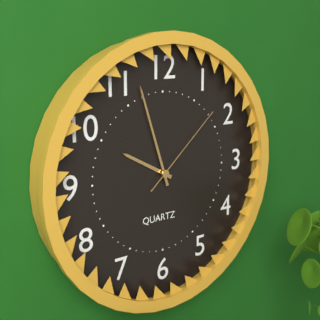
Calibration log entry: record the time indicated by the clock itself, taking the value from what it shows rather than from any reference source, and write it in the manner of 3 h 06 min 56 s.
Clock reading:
9 h 57 min 08 s
